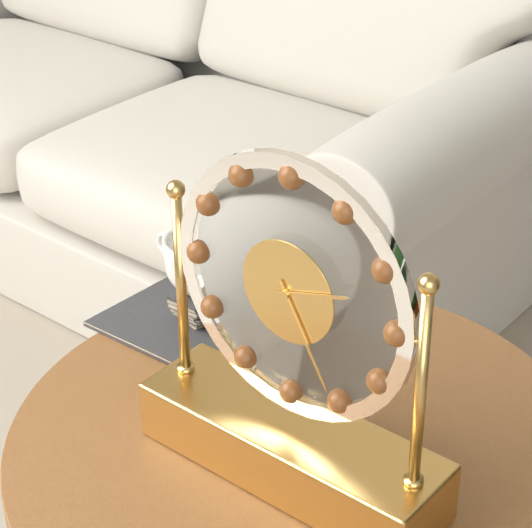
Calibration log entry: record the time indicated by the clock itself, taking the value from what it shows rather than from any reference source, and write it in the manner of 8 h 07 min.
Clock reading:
2 h 25 min
